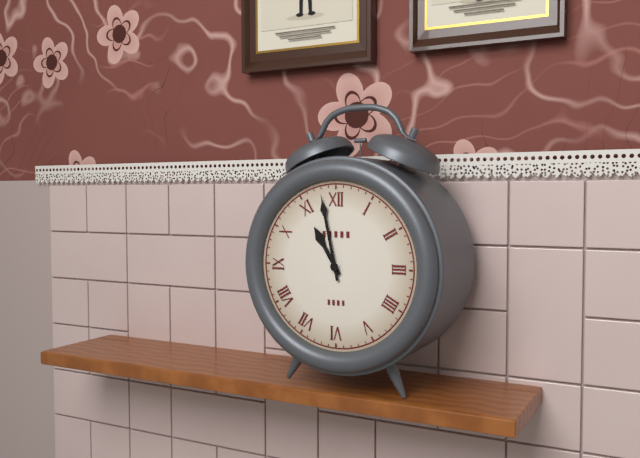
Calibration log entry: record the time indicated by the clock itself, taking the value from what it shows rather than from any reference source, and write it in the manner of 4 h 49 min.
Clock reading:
10 h 58 min
